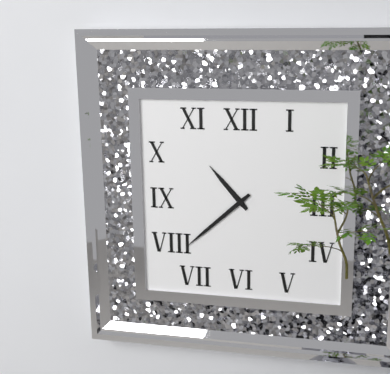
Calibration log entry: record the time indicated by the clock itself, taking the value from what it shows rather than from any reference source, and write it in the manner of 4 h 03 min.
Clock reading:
10 h 38 min
